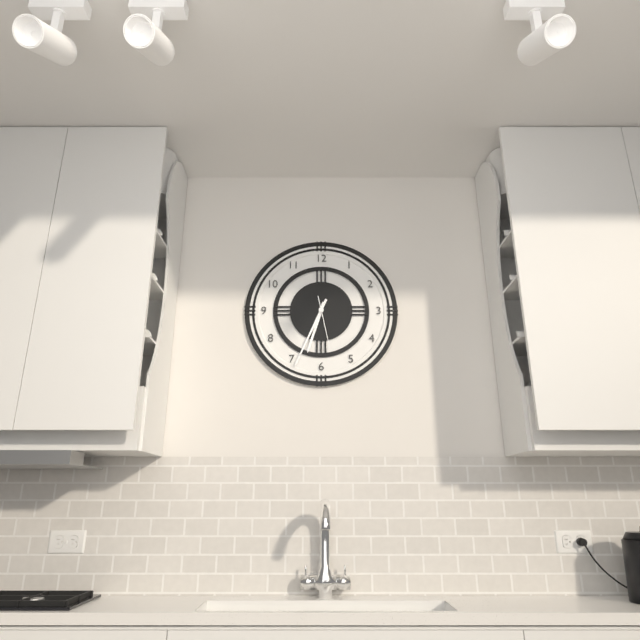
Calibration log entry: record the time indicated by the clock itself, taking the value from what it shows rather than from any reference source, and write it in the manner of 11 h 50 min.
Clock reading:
6 h 34 min
